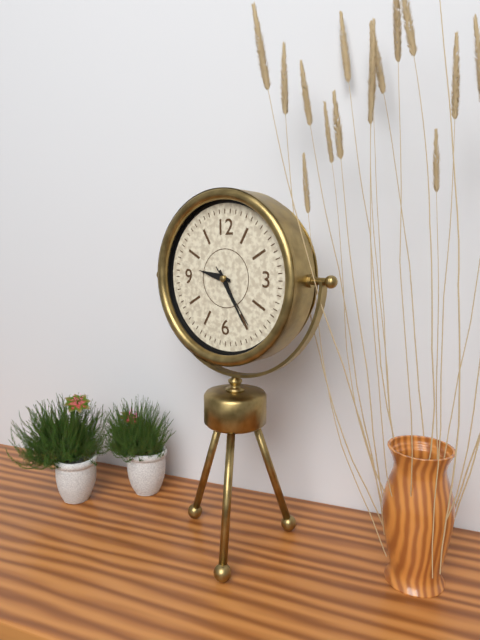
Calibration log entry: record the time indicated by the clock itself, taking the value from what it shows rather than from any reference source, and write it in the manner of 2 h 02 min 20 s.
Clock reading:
9 h 25 min 24 s
